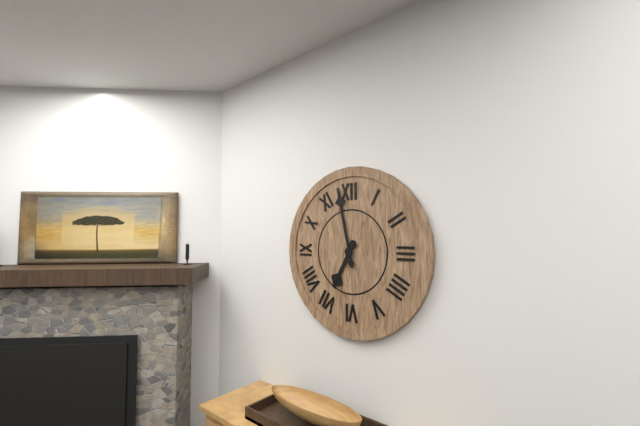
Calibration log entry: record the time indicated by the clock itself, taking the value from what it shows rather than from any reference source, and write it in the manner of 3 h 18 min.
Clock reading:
6 h 58 min
